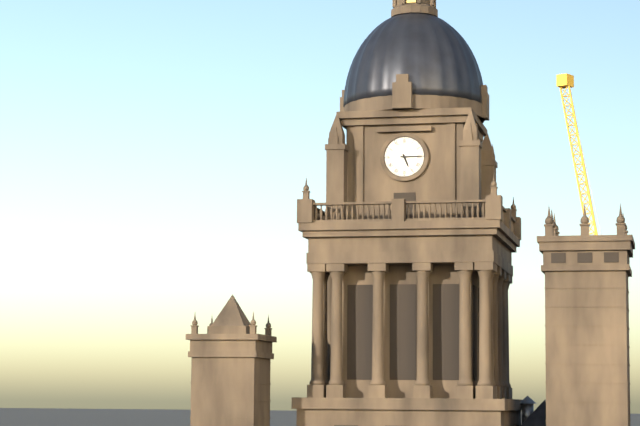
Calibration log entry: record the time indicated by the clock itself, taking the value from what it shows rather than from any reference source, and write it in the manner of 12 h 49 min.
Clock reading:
5 h 15 min
